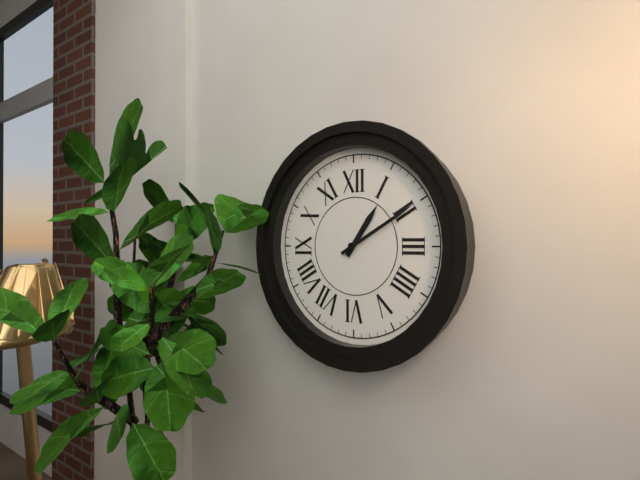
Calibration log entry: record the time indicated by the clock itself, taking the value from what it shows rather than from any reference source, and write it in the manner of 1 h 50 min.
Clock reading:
1 h 10 min
